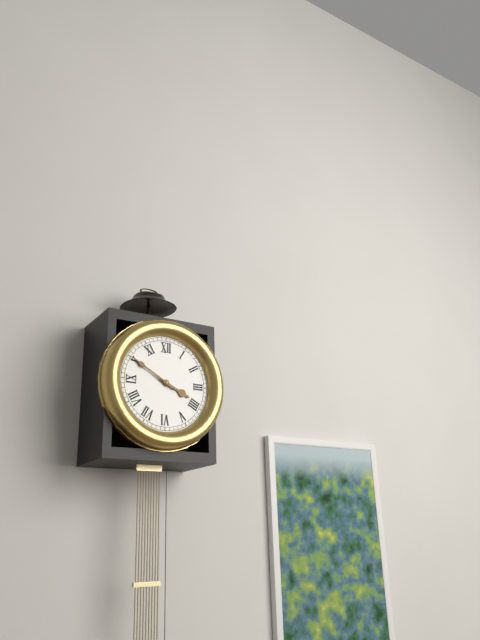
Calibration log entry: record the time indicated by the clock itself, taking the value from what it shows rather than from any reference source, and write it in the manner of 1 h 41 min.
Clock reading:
3 h 50 min
